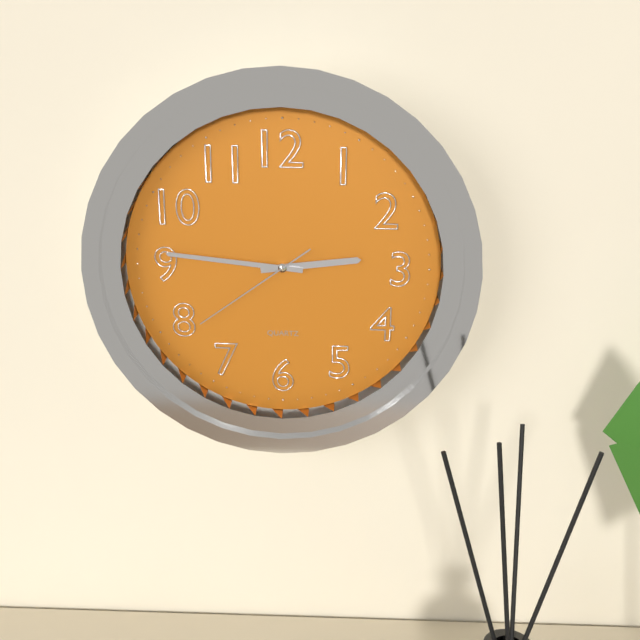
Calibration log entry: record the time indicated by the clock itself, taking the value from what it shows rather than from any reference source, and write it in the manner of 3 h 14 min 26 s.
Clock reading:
2 h 46 min 39 s
